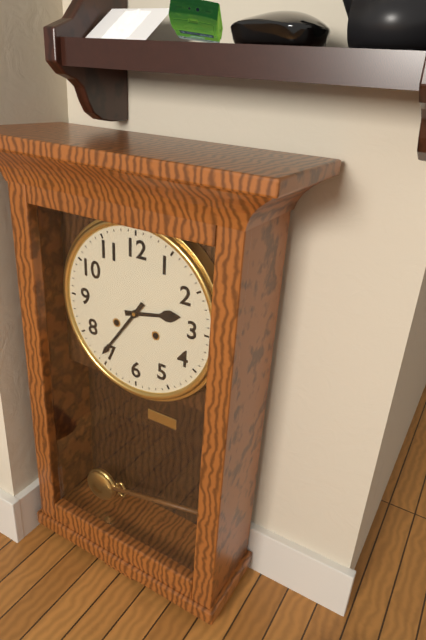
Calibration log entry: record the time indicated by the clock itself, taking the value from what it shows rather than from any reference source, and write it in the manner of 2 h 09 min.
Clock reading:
2 h 36 min
